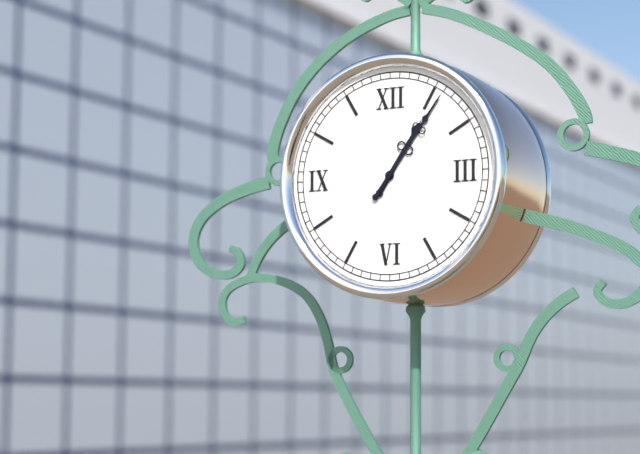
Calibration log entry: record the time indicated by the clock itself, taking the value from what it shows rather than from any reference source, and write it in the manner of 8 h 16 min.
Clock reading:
1 h 06 min
